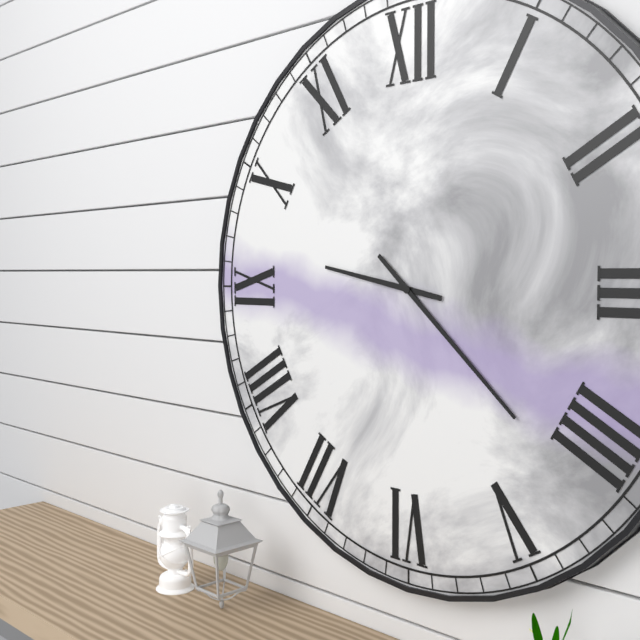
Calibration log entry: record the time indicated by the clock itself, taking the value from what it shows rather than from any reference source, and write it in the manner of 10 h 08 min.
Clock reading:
9 h 22 min
